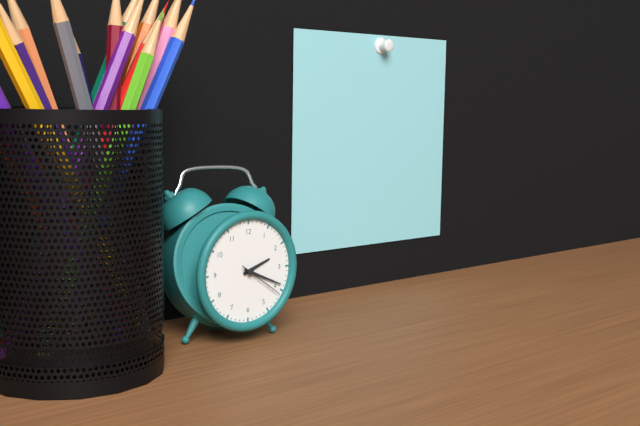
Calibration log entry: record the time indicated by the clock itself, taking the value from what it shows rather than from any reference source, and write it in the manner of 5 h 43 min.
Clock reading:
2 h 19 min
